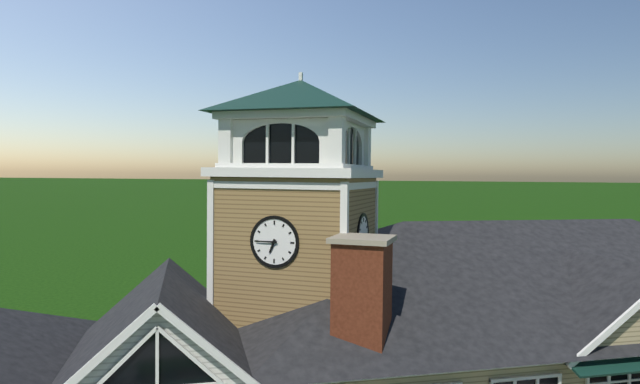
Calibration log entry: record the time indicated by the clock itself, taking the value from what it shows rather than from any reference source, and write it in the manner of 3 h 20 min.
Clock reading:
6 h 45 min
